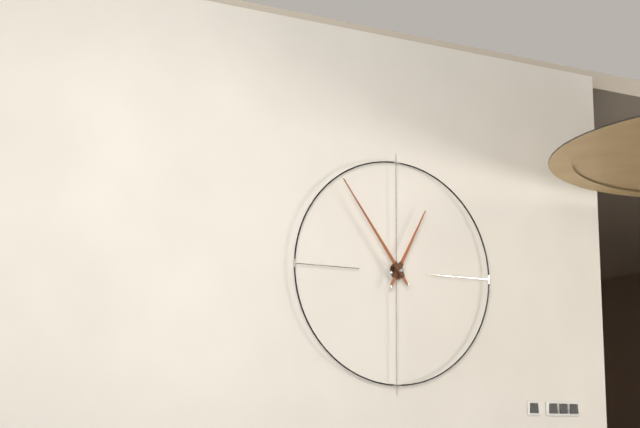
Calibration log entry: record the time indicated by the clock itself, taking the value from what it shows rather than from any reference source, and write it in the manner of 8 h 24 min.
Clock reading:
12 h 54 min
